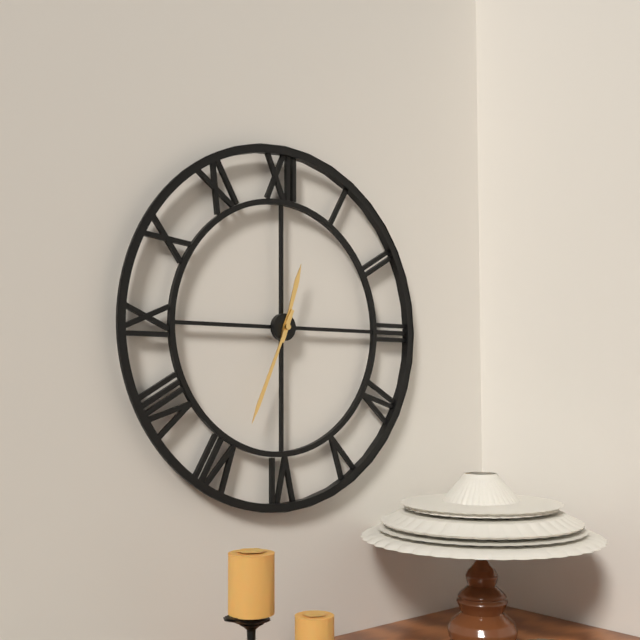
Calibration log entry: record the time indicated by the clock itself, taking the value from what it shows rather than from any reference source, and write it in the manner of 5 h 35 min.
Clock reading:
12 h 34 min
